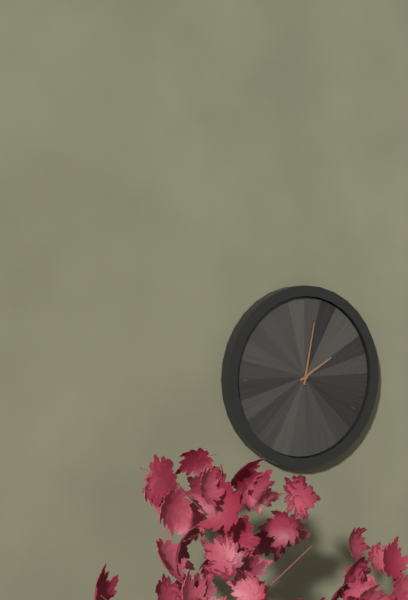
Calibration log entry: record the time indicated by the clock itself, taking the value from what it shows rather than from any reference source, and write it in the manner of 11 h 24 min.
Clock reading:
2 h 02 min
